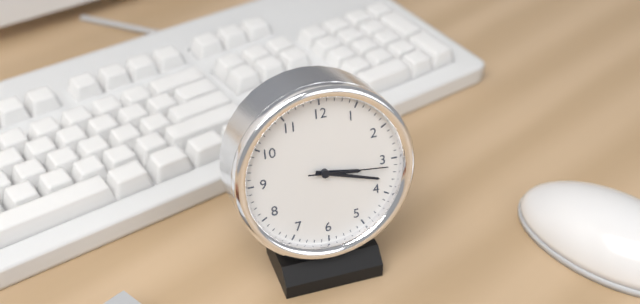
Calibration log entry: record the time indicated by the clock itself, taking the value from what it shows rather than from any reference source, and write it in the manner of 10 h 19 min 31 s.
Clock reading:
3 h 18 min 16 s
